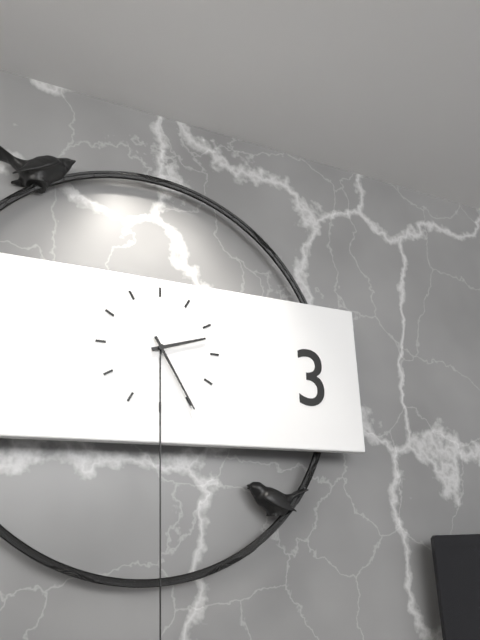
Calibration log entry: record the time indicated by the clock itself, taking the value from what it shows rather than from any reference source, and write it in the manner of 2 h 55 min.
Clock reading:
2 h 25 min
